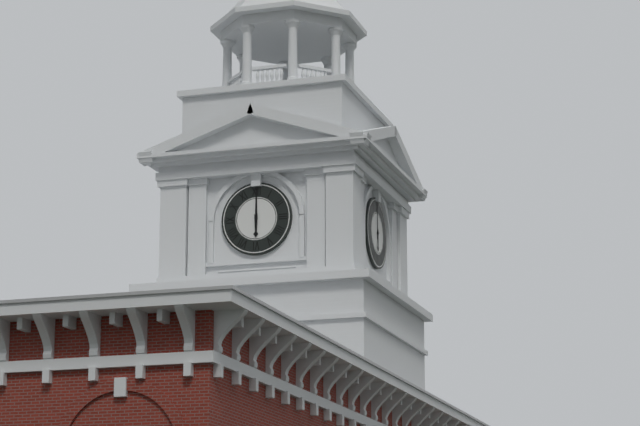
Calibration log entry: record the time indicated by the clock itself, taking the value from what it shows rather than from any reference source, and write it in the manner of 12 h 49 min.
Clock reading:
6 h 00 min
